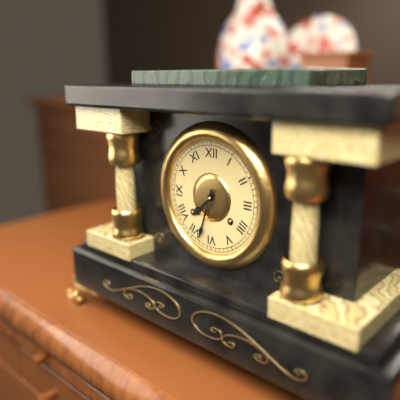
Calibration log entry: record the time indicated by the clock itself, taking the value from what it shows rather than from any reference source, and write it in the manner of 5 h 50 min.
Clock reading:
7 h 33 min
